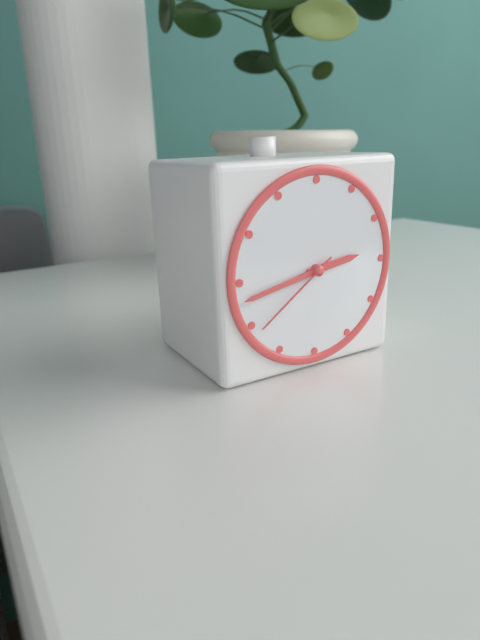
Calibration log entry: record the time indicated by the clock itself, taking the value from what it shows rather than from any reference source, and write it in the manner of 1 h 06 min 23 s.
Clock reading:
2 h 43 min 39 s
